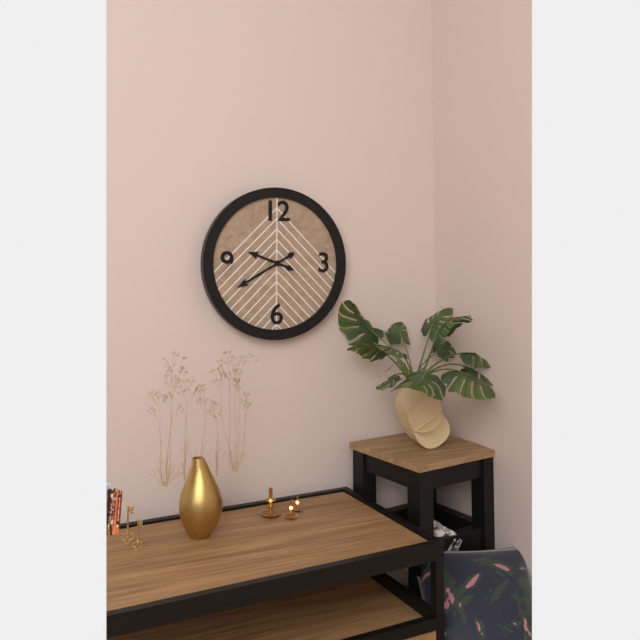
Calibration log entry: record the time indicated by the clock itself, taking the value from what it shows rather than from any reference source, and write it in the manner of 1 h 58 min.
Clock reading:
9 h 40 min
